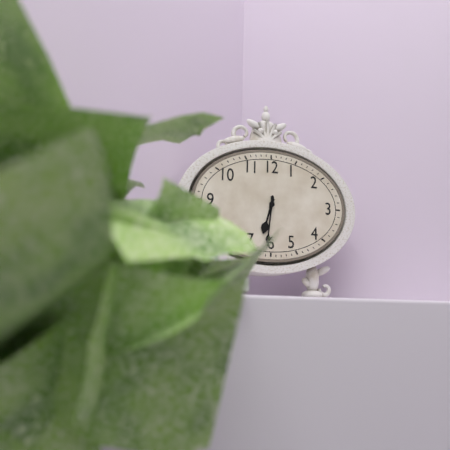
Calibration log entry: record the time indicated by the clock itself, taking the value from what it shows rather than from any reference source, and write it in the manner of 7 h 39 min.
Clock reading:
6 h 31 min
